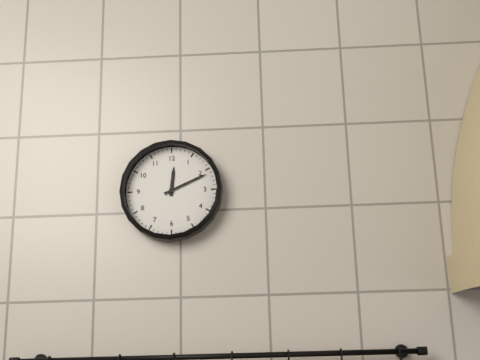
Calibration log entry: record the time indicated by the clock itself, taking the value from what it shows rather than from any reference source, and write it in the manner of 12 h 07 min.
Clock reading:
12 h 11 min
